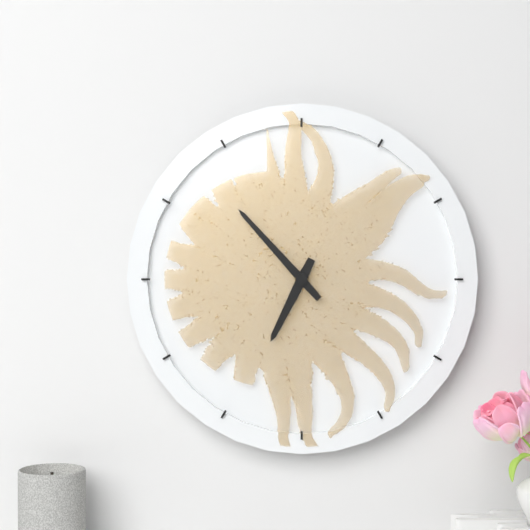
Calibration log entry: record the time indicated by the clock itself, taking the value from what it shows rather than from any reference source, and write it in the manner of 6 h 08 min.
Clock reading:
6 h 53 min
